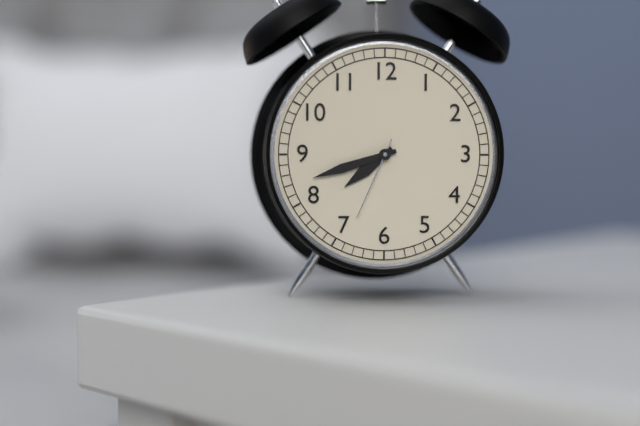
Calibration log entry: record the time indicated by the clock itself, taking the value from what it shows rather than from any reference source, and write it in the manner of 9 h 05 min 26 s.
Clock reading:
7 h 42 min 34 s
